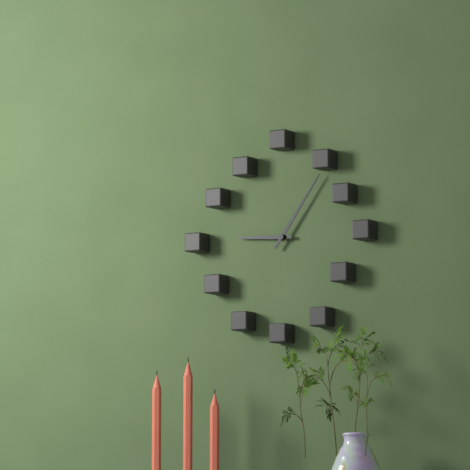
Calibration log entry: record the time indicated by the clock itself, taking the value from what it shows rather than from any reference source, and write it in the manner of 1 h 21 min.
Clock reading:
9 h 06 min
